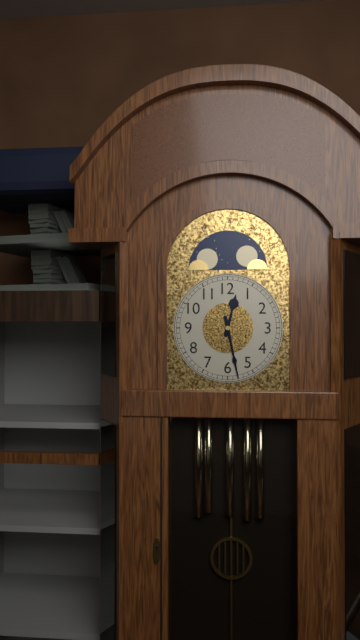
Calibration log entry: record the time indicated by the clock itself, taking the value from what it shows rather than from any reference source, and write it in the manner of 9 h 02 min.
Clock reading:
12 h 28 min
